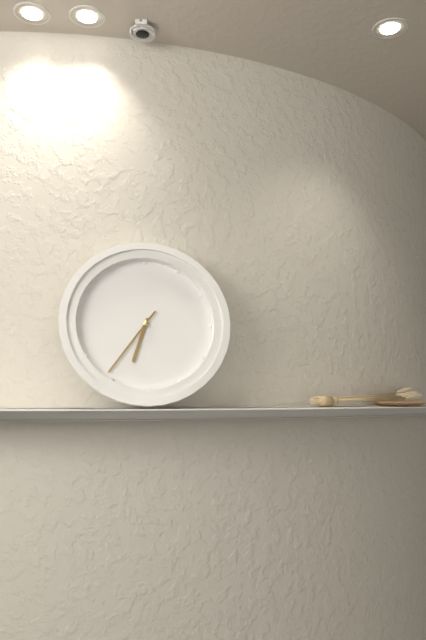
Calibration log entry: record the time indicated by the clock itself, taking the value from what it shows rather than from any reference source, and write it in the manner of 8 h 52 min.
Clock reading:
6 h 36 min
